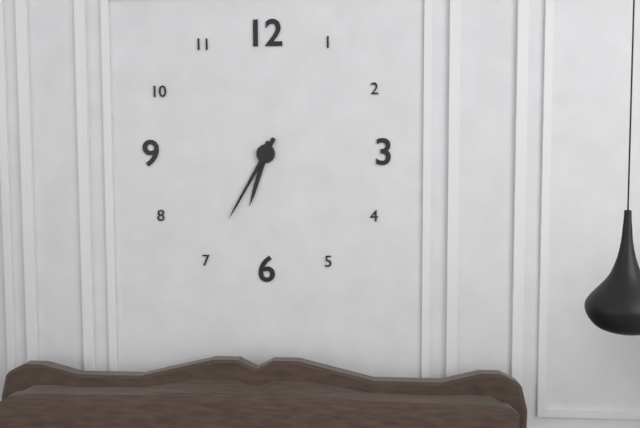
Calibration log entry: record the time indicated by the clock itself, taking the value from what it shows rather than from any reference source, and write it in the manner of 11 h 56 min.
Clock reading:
6 h 35 min
